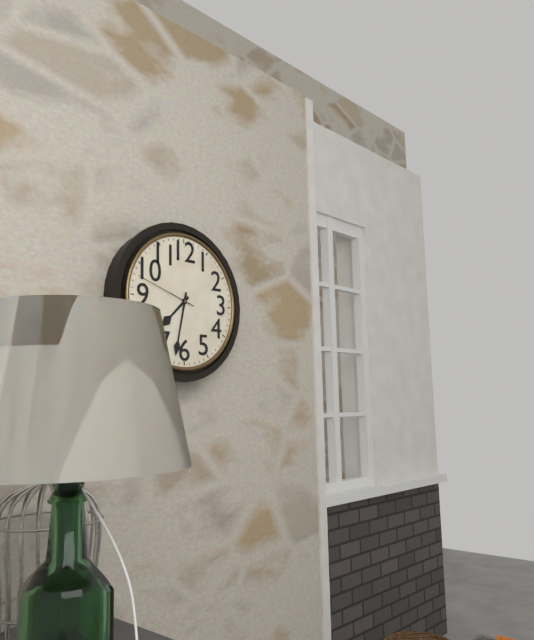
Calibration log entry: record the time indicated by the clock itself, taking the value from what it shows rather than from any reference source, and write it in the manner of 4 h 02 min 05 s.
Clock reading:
7 h 32 min 48 s
